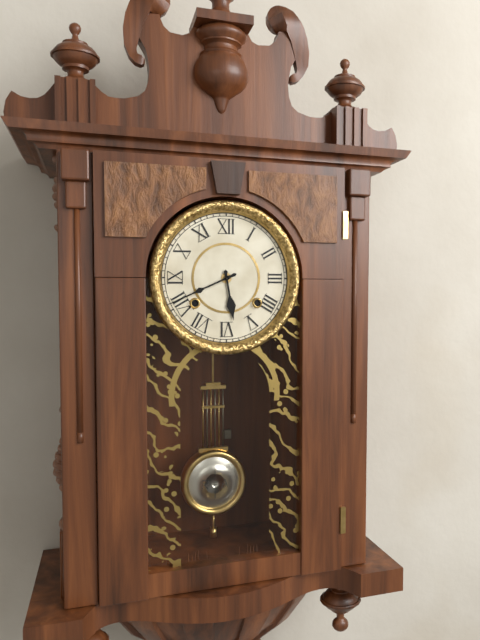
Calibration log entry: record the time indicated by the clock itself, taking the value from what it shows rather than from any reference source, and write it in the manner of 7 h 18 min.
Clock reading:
5 h 41 min
